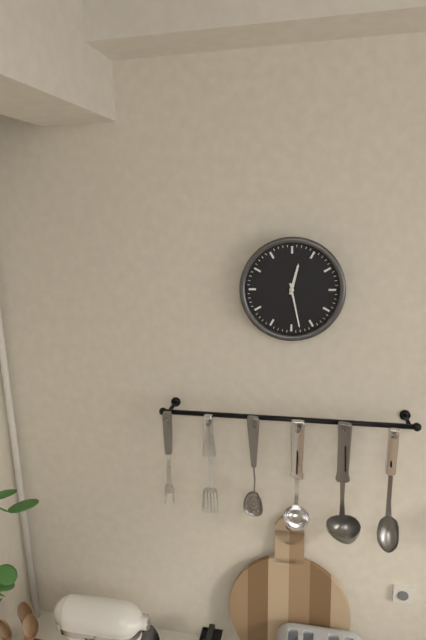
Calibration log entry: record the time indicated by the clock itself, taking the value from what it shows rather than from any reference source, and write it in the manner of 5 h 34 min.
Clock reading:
12 h 28 min
